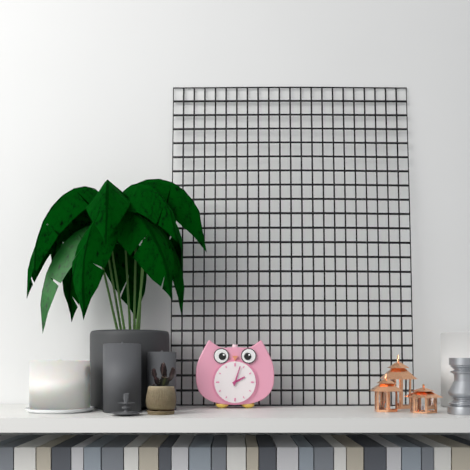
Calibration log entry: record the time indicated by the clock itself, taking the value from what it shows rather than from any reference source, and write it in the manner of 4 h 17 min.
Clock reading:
2 h 03 min
